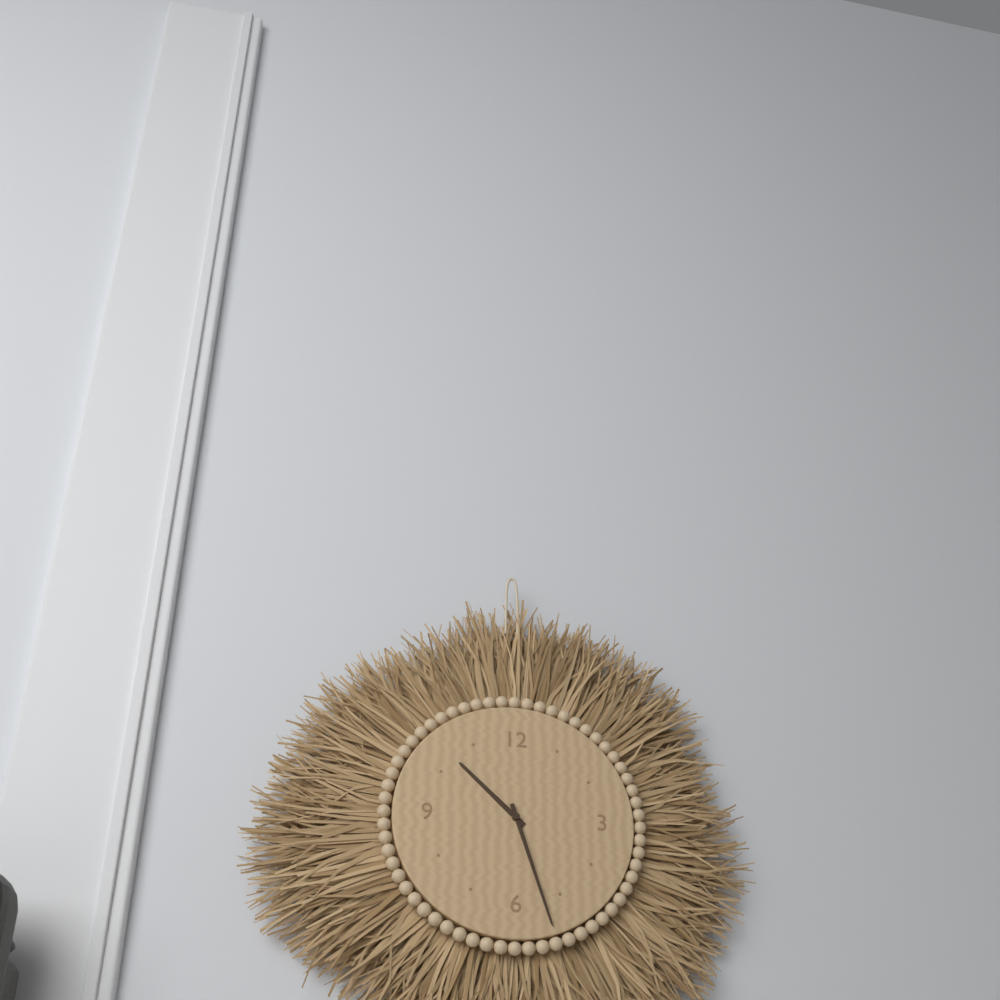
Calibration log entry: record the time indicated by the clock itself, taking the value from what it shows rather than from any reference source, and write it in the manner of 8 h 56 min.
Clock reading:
10 h 27 min
